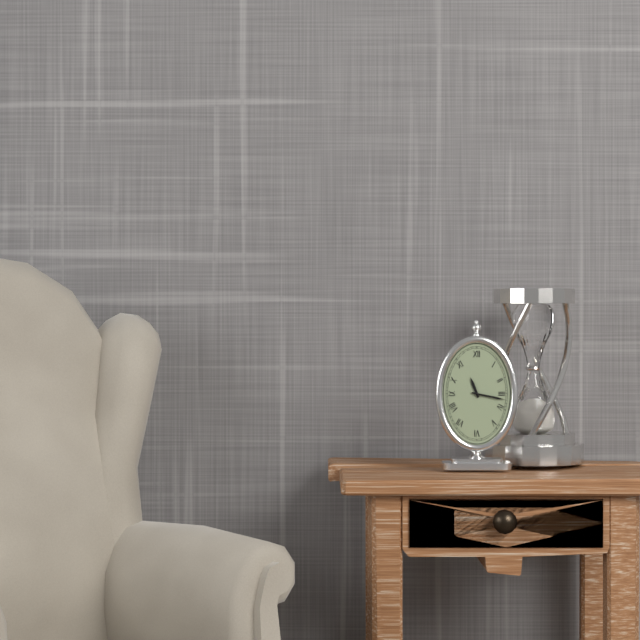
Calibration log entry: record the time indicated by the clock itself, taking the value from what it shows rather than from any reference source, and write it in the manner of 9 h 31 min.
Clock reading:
11 h 17 min
